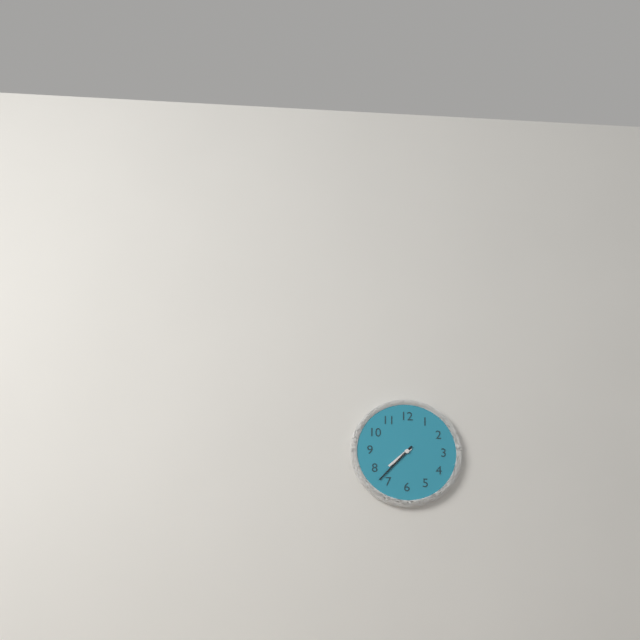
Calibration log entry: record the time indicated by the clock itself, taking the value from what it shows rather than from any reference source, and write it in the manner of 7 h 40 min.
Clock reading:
7 h 37 min
